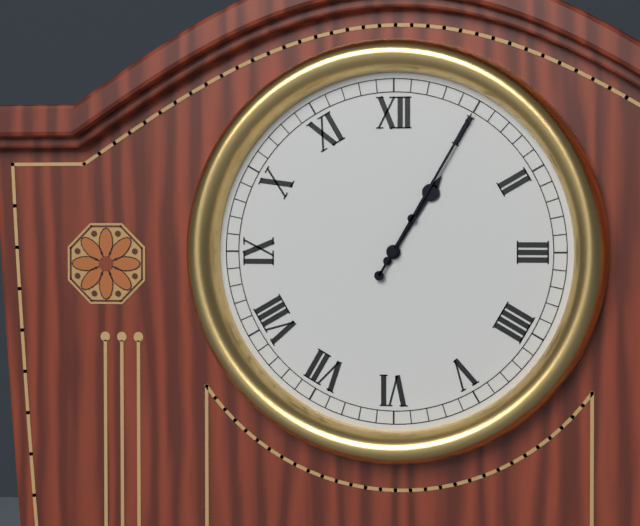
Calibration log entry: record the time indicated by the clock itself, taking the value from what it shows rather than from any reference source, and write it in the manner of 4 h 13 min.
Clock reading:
1 h 05 min
